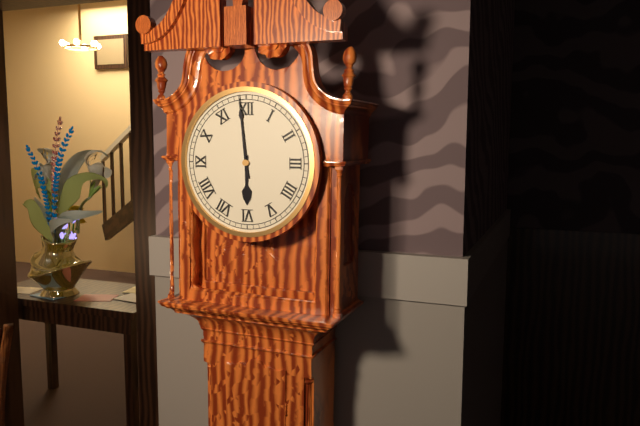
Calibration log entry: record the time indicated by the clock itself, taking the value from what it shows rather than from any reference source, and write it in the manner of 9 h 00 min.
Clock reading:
5 h 59 min
